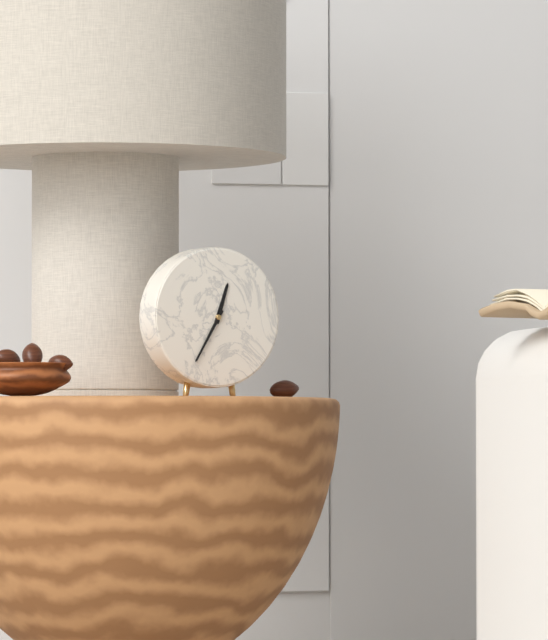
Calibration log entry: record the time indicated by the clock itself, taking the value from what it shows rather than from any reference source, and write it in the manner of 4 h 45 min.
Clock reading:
12 h 35 min
